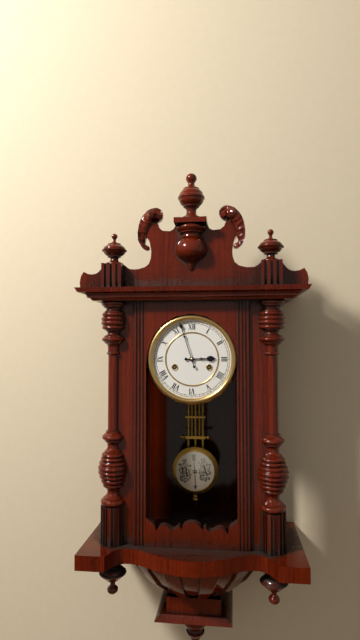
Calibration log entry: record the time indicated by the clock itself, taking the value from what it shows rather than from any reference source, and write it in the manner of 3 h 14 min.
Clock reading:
2 h 57 min
